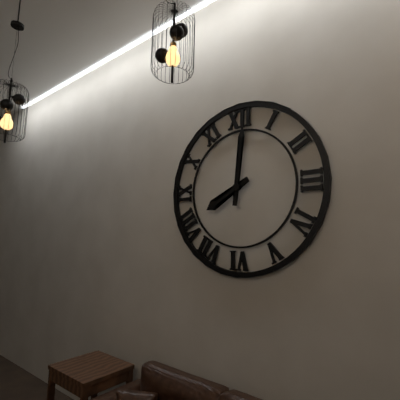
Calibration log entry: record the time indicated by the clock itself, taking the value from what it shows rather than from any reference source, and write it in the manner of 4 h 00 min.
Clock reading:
8 h 01 min
